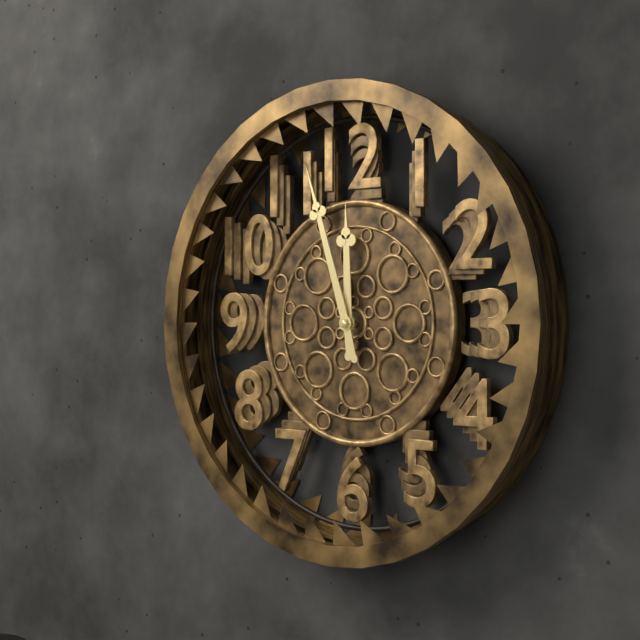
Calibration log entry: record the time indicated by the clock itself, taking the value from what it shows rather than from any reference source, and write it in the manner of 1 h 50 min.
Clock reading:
11 h 57 min
